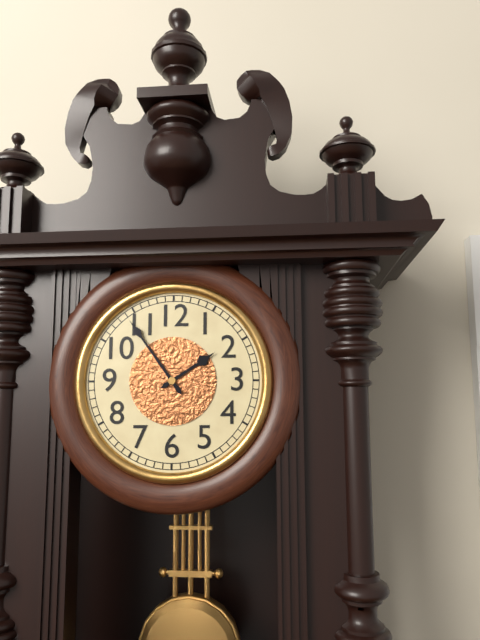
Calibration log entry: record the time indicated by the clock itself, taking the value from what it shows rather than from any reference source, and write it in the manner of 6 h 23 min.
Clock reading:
1 h 54 min
